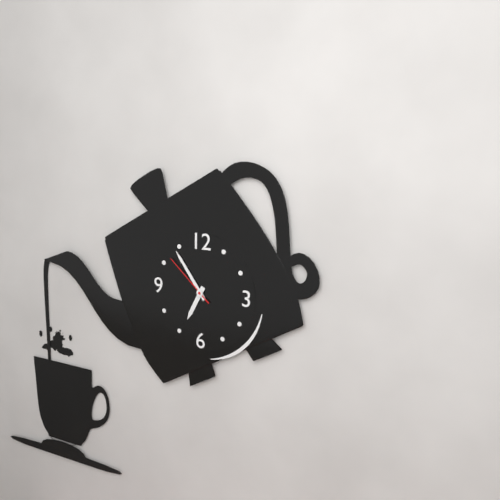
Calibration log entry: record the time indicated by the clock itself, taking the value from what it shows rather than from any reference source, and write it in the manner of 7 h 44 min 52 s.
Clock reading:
6 h 54 min 52 s
